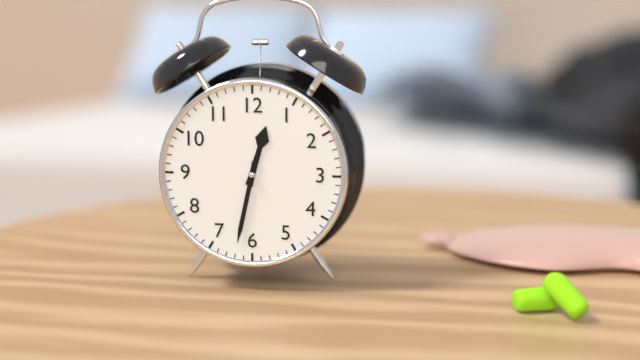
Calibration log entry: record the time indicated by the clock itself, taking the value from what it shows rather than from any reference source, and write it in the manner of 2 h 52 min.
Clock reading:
12 h 32 min
